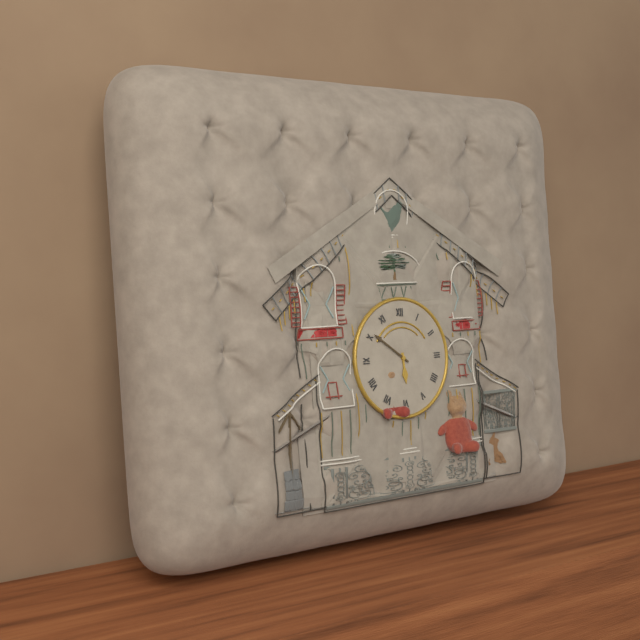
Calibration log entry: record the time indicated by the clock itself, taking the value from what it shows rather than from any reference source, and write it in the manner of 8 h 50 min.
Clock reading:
5 h 51 min
